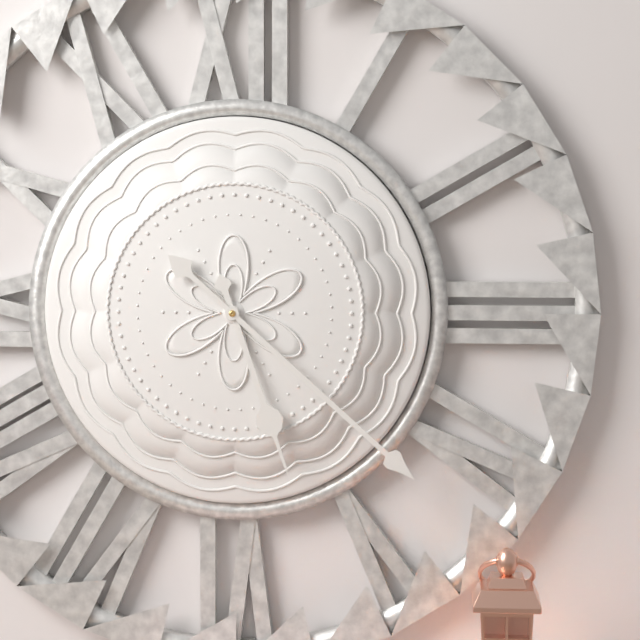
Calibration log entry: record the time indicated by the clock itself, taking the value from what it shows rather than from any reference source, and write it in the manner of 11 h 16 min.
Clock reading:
5 h 22 min
